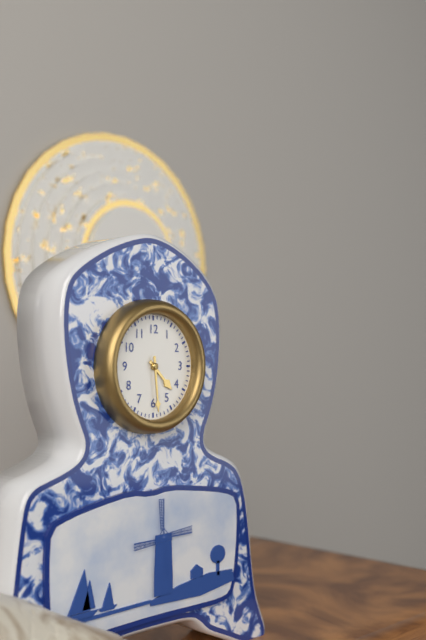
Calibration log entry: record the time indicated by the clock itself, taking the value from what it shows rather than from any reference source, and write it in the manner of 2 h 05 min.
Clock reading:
4 h 29 min
